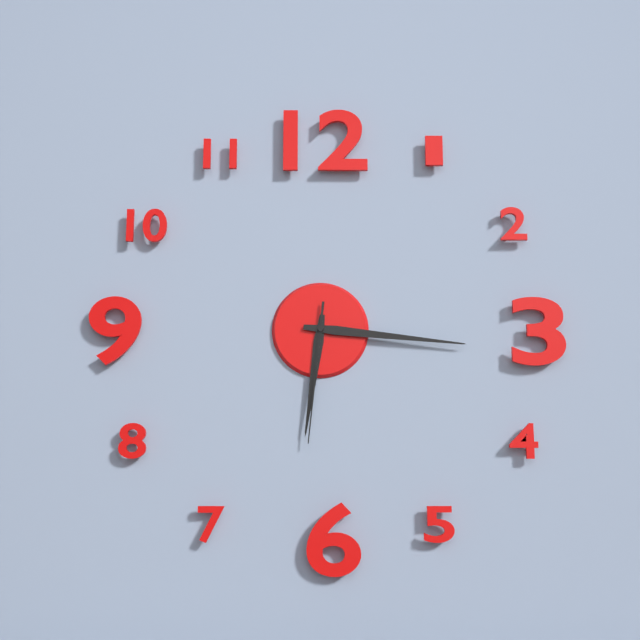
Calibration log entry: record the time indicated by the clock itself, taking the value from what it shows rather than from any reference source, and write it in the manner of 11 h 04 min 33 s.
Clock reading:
6 h 16 min 31 s
